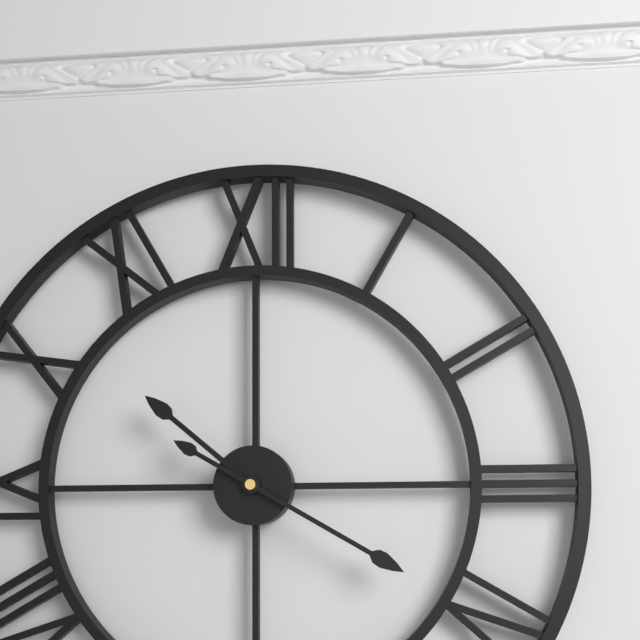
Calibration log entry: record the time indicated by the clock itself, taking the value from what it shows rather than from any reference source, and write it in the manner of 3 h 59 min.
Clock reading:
10 h 20 min
